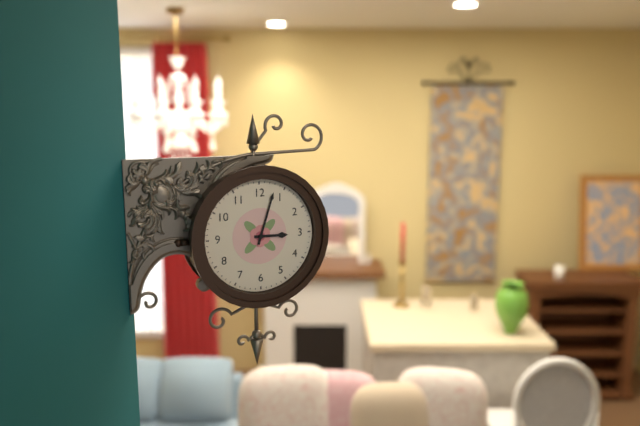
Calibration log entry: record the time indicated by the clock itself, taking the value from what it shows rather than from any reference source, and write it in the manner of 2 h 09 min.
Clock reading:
3 h 03 min
